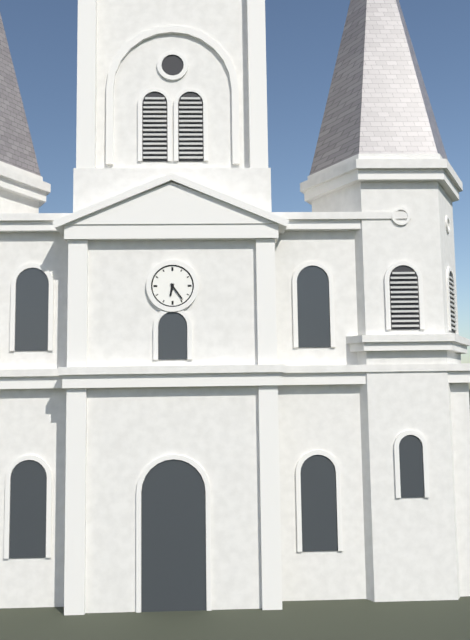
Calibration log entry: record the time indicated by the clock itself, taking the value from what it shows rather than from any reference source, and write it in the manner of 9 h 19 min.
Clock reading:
6 h 24 min
